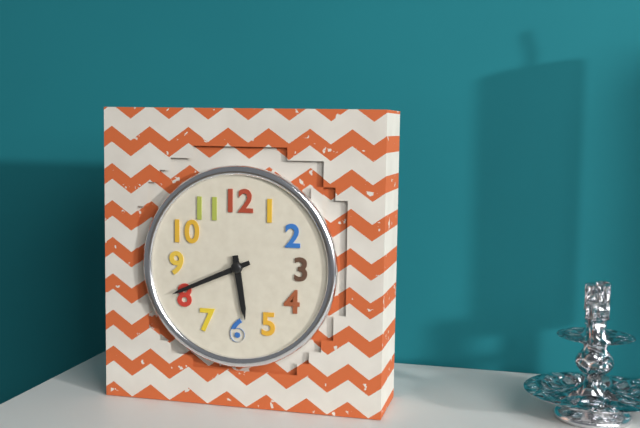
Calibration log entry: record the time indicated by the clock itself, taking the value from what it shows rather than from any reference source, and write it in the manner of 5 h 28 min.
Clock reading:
5 h 41 min
